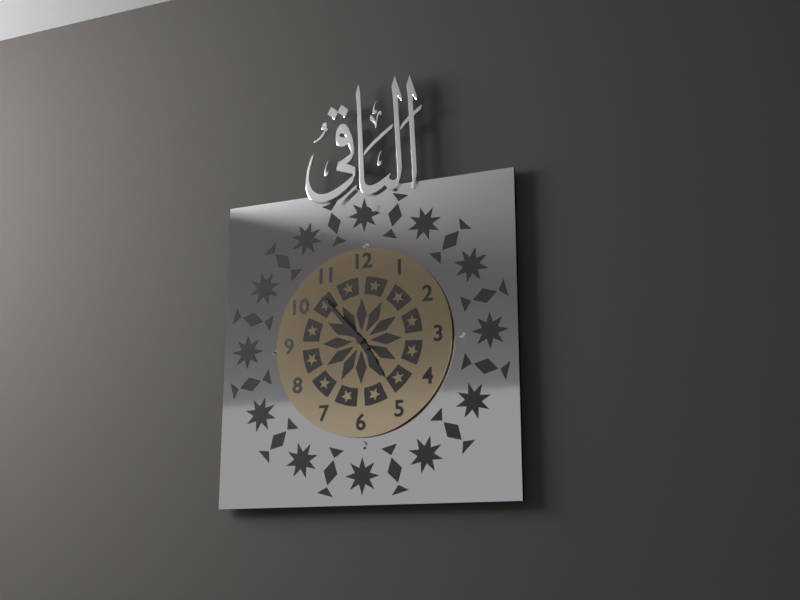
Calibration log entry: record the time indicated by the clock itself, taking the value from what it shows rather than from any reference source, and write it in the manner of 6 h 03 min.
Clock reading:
4 h 53 min
